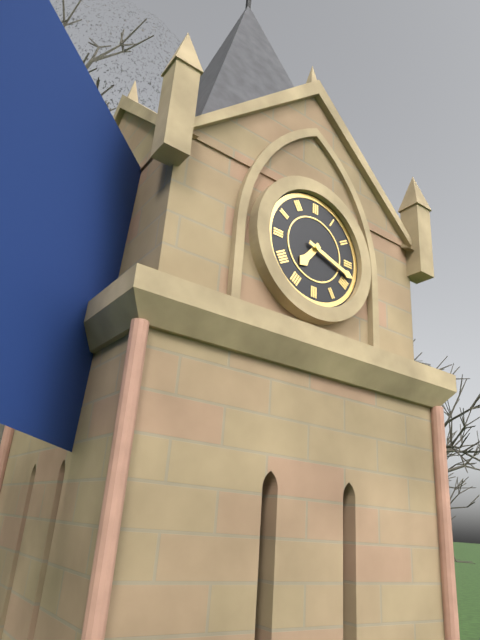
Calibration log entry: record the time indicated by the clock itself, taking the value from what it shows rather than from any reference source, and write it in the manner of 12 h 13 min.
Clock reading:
7 h 18 min
